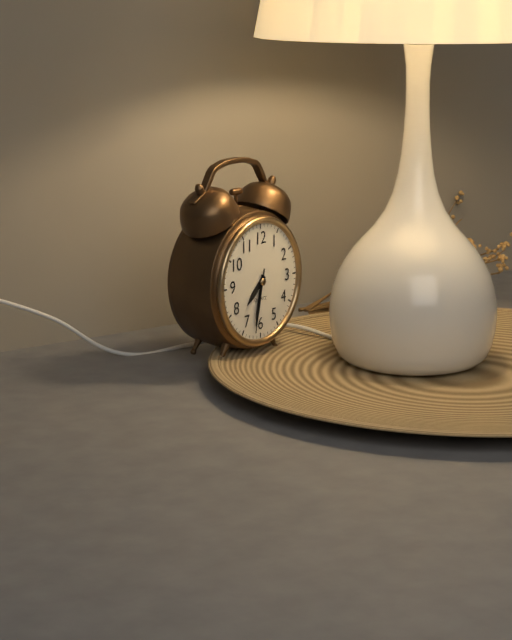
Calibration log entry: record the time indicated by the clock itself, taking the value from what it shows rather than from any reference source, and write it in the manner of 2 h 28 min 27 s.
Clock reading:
7 h 32 min 32 s
